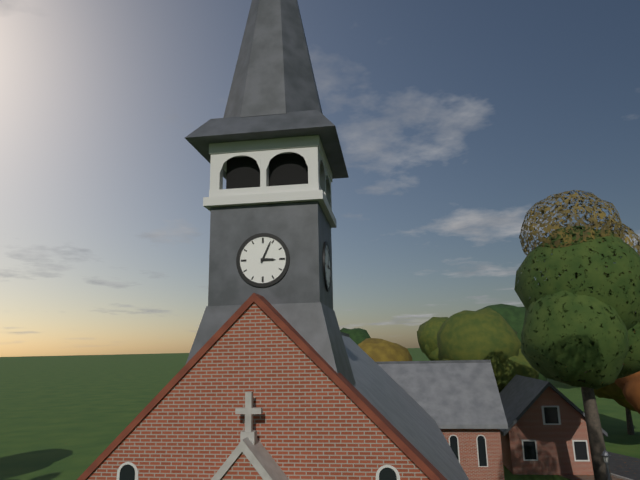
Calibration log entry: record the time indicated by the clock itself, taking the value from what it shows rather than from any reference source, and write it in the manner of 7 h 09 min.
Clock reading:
3 h 04 min
